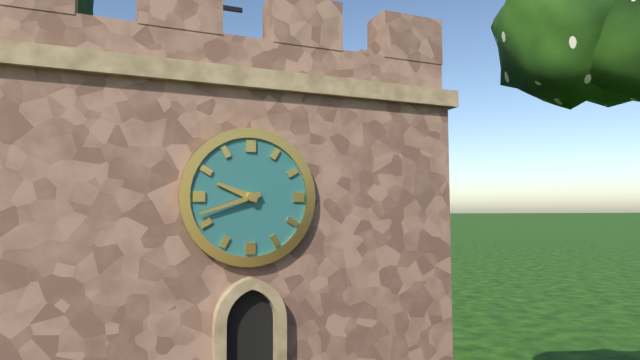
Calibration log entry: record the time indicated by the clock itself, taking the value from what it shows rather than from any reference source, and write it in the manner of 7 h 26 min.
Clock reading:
9 h 42 min
